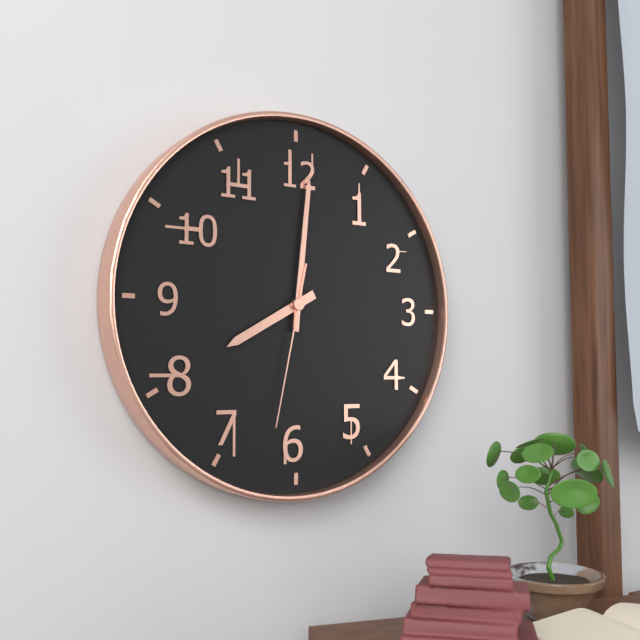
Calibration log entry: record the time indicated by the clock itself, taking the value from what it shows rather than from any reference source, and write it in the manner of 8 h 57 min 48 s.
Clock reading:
8 h 01 min 32 s
